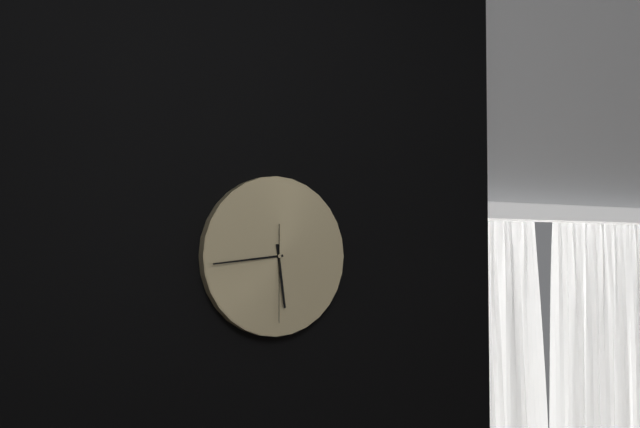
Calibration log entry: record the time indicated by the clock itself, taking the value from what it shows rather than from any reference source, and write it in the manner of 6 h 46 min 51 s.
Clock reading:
5 h 44 min 30 s
